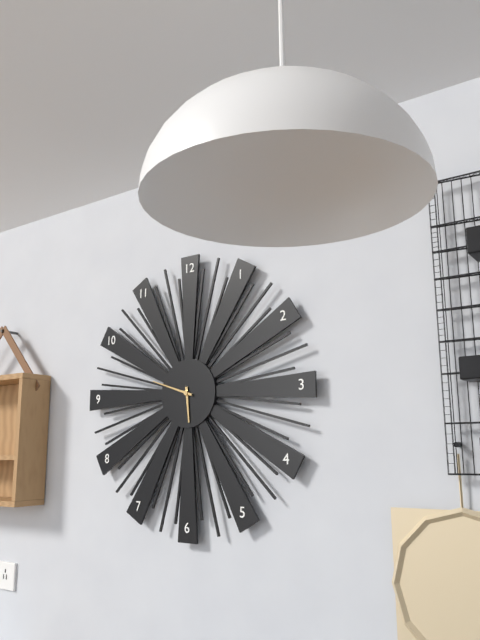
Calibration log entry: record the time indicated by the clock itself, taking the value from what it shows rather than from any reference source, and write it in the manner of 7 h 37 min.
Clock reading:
5 h 48 min
